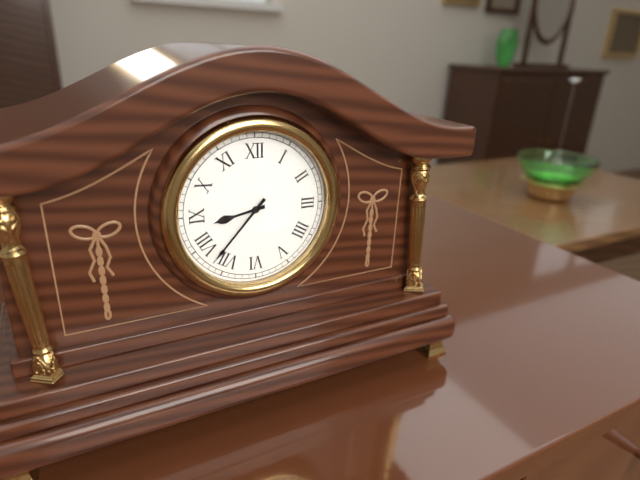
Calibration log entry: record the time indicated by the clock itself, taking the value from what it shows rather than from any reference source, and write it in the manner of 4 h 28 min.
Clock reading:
8 h 37 min
